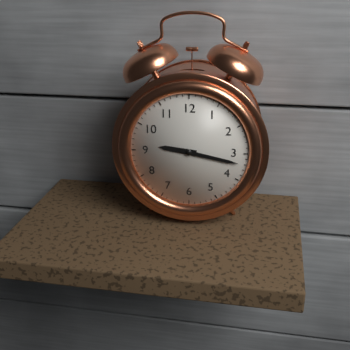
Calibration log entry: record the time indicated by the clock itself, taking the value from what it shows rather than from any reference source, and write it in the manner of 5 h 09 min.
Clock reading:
9 h 17 min
